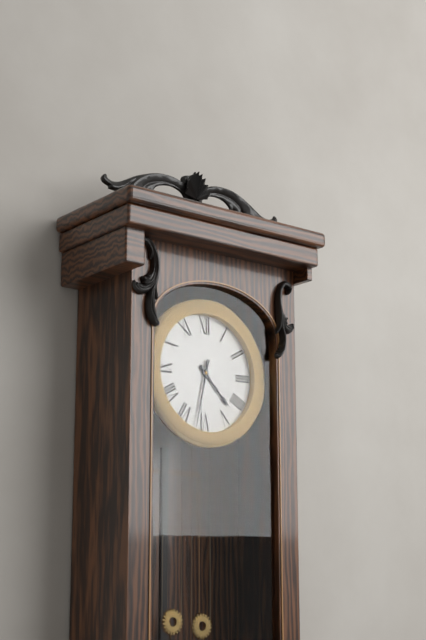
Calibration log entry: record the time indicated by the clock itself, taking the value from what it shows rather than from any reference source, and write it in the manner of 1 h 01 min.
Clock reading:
4 h 32 min
